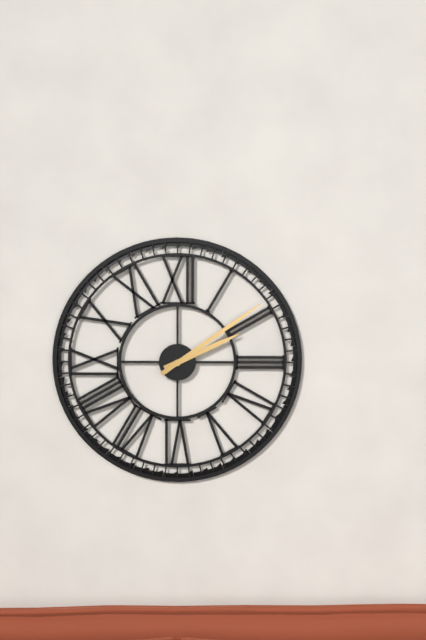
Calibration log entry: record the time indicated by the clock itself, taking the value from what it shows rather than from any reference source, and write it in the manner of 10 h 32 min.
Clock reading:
2 h 09 min
